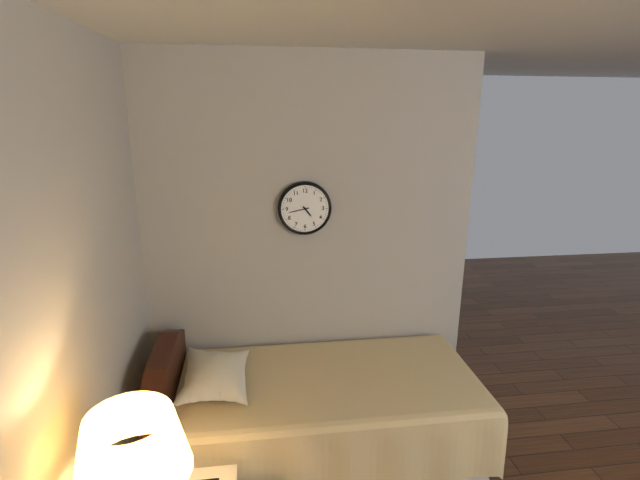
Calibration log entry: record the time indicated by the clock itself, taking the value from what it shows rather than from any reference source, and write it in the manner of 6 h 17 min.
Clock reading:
4 h 43 min
